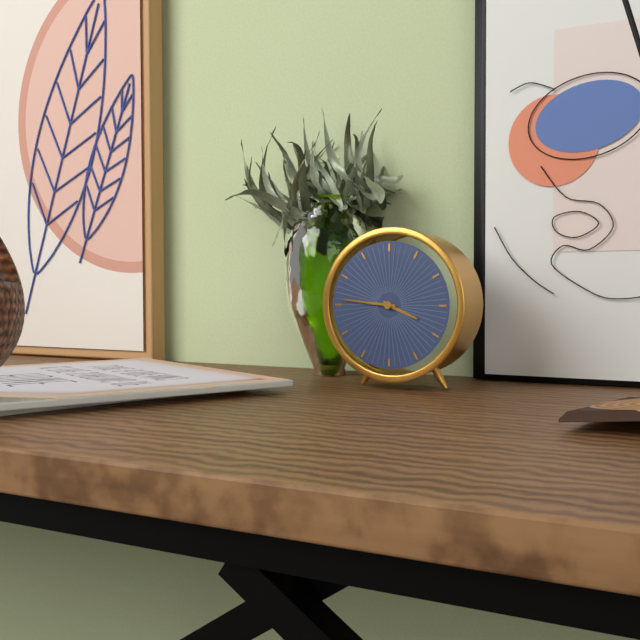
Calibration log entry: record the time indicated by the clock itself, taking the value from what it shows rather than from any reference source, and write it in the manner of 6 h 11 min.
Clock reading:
3 h 46 min
